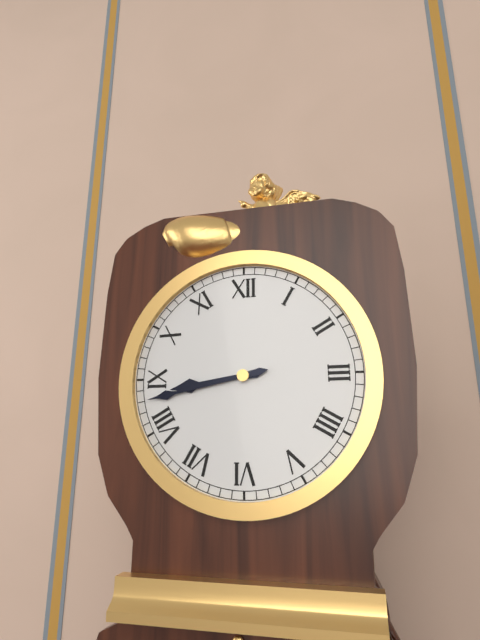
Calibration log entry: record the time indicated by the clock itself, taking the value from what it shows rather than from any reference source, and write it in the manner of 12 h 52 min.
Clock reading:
8 h 43 min
